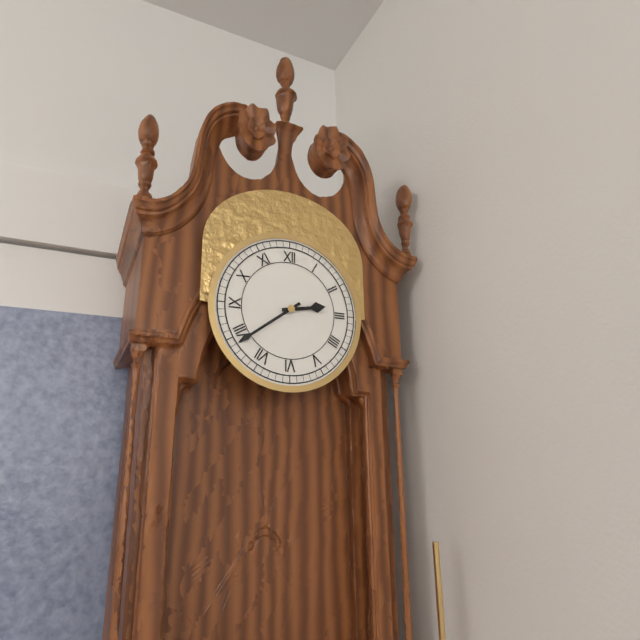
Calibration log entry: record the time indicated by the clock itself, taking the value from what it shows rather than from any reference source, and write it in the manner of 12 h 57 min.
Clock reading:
2 h 39 min
